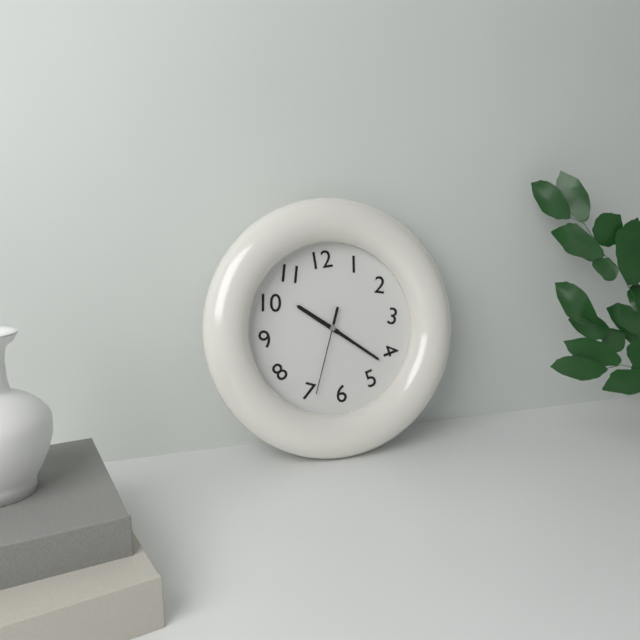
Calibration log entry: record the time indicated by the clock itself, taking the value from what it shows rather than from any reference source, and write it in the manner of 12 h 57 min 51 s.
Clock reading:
10 h 22 min 34 s
